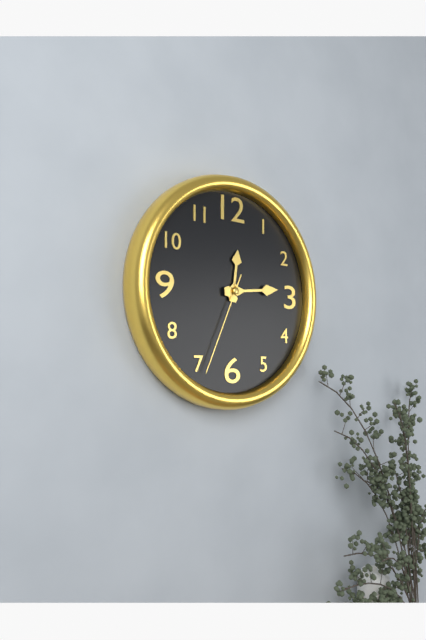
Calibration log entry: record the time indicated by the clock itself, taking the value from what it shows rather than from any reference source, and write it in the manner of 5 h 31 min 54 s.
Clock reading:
12 h 14 min 34 s
